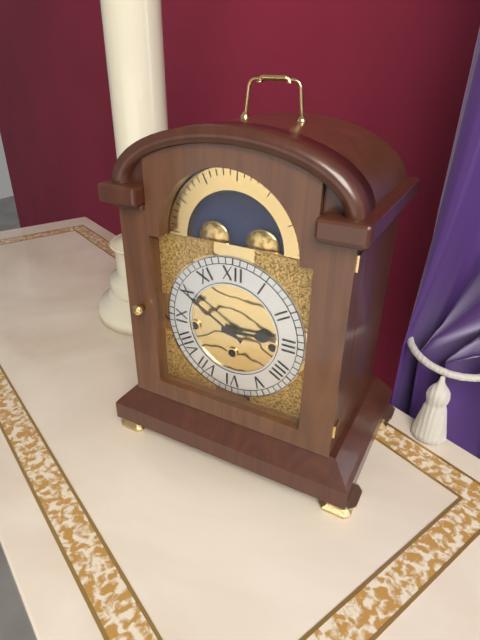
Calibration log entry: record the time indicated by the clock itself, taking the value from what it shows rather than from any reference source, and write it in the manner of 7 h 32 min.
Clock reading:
2 h 50 min
